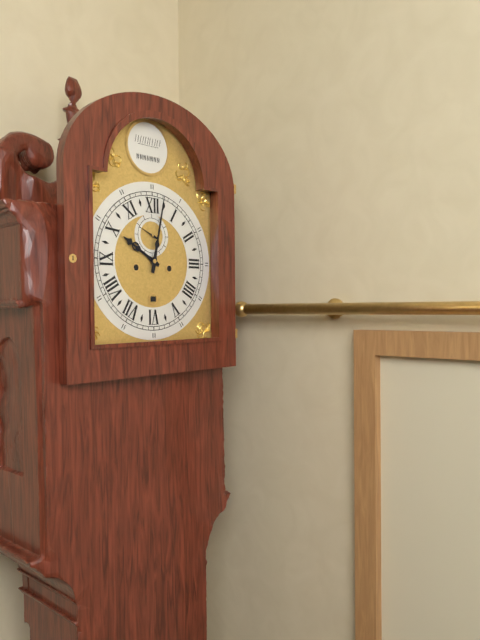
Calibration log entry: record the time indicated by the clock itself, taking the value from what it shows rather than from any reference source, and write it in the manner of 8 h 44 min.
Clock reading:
10 h 02 min
